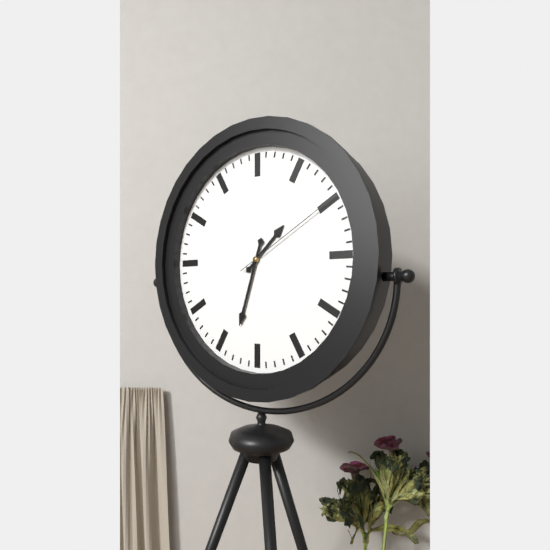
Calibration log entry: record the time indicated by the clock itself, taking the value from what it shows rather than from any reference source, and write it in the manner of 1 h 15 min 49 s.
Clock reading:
1 h 33 min 10 s
